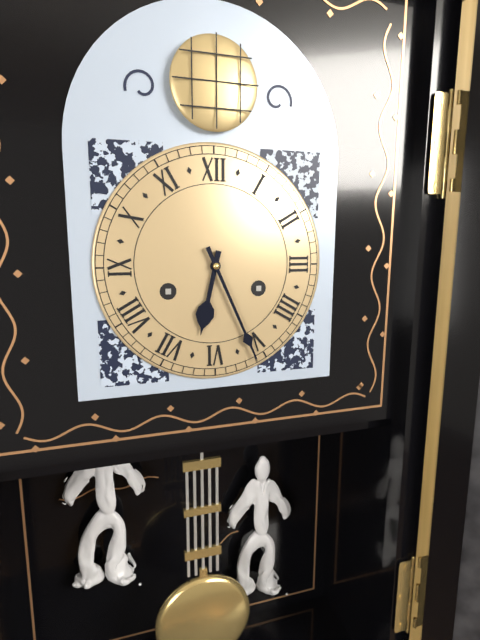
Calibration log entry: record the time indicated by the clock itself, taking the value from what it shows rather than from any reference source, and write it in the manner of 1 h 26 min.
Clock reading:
6 h 26 min
